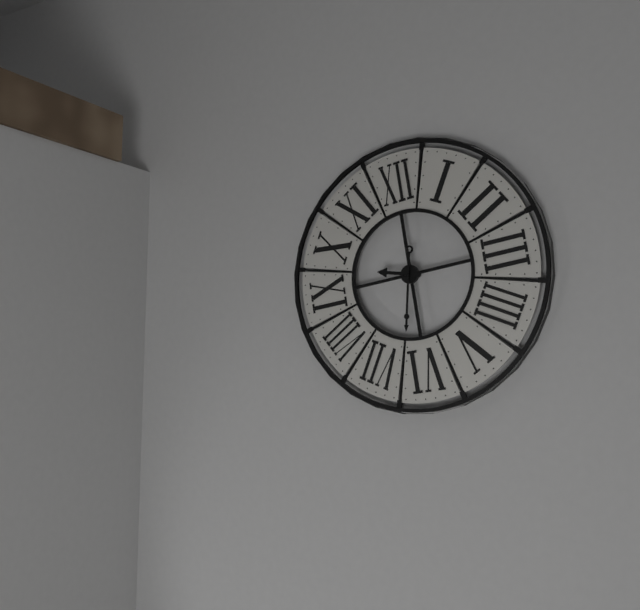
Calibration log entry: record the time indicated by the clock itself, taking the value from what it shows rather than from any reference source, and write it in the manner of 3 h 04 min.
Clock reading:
9 h 32 min
